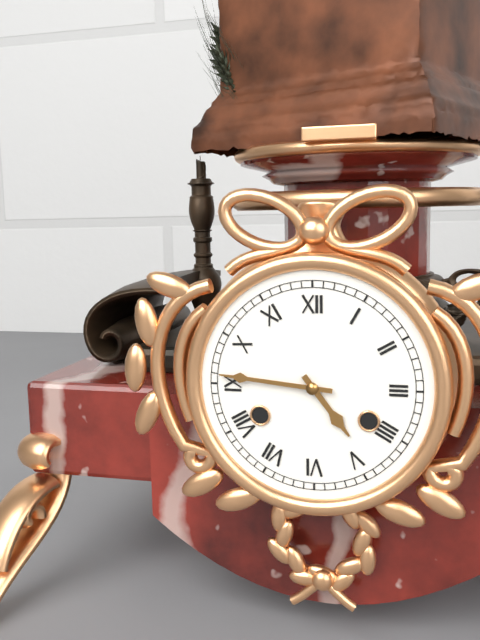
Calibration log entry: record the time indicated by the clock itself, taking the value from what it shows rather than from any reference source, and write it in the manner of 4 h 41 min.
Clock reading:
4 h 46 min
